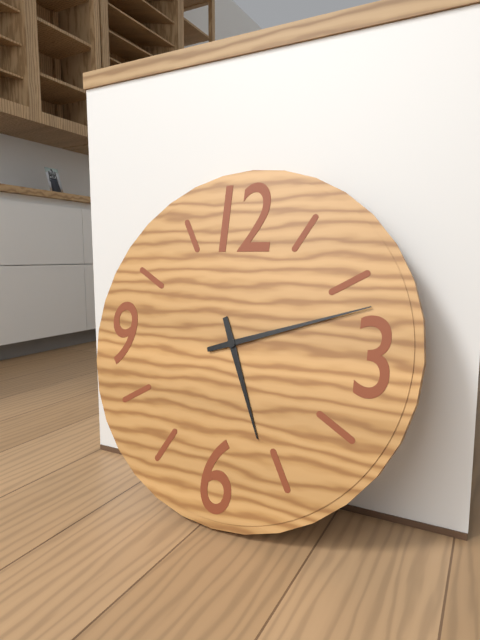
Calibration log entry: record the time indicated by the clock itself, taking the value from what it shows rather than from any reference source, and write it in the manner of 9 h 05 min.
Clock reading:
5 h 12 min
